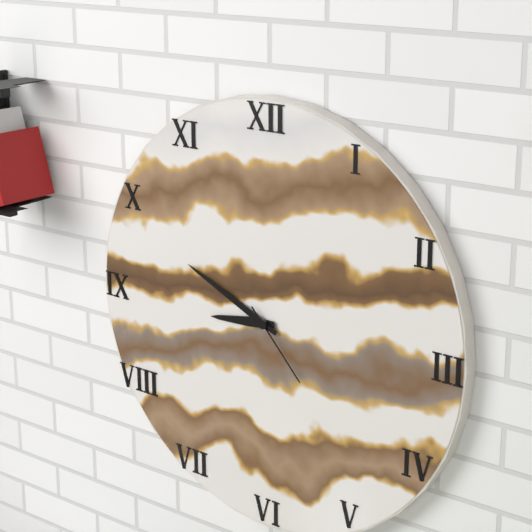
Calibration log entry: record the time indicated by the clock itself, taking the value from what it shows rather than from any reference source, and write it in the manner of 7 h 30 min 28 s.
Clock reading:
8 h 49 min 23 s
